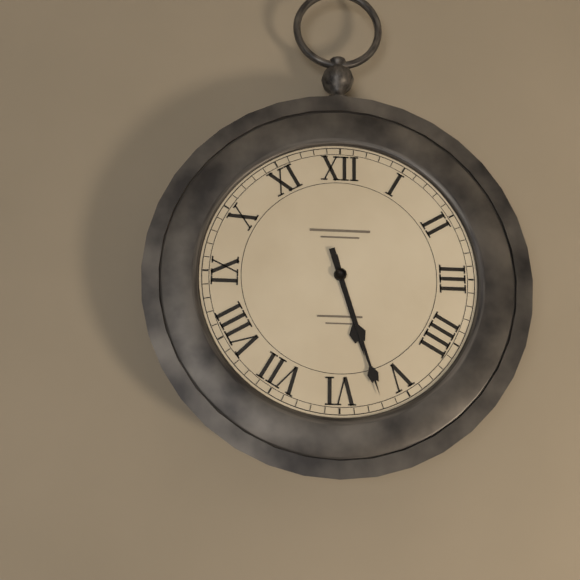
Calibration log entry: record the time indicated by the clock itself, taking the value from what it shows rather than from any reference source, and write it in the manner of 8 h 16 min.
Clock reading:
5 h 27 min
